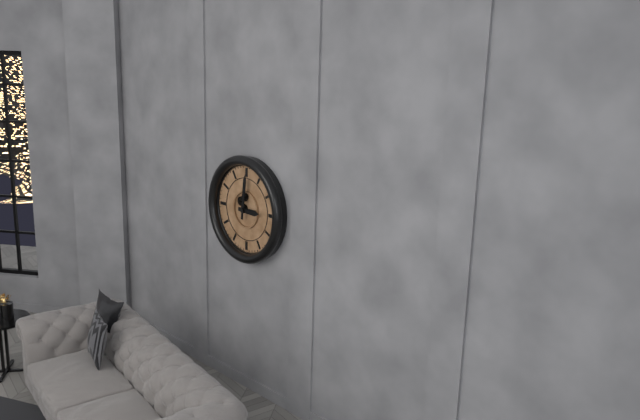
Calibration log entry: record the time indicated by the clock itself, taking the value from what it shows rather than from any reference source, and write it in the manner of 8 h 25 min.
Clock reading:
3 h 01 min
